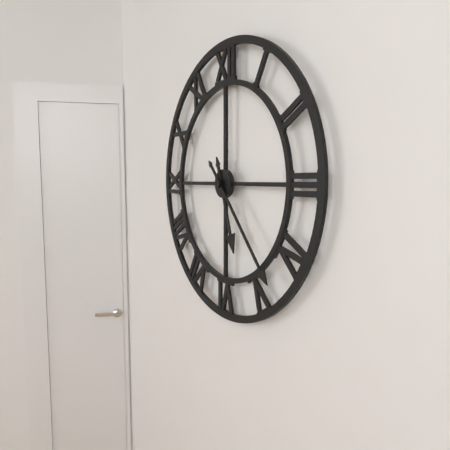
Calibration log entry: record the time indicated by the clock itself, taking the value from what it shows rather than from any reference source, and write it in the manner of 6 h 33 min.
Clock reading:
5 h 23 min
